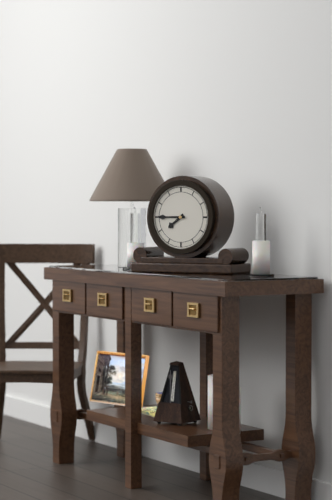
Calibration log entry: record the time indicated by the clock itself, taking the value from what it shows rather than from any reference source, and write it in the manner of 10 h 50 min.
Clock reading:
7 h 45 min
